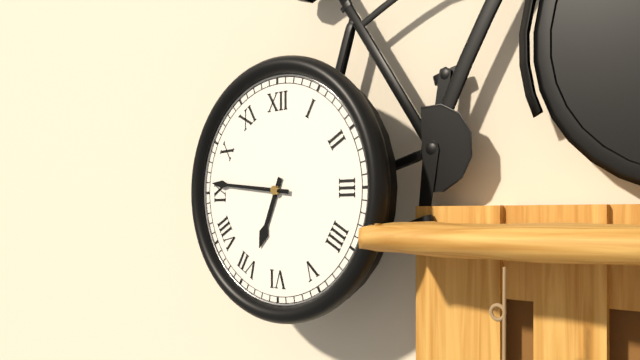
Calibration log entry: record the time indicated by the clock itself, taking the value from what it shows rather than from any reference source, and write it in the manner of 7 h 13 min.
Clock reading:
6 h 46 min
